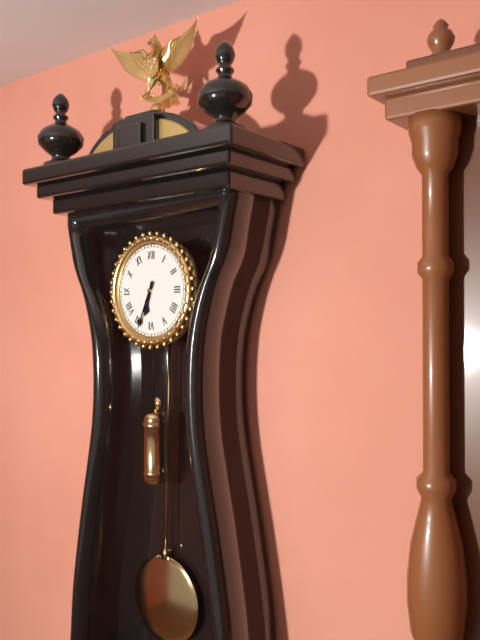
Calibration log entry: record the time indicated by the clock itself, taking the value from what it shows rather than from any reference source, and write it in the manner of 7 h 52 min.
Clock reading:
6 h 34 min
